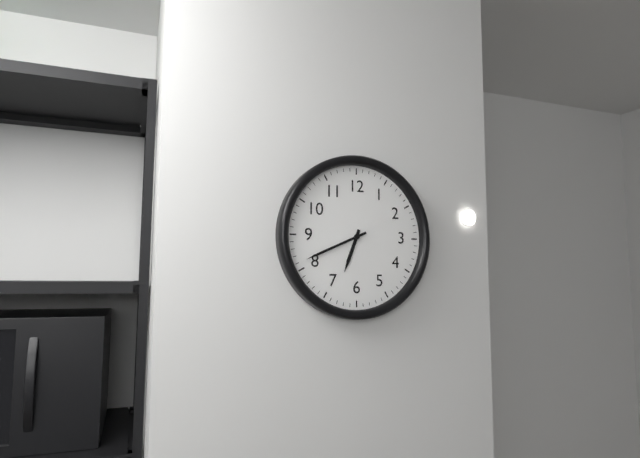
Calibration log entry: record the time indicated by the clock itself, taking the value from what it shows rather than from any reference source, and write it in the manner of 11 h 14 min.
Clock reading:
6 h 41 min
